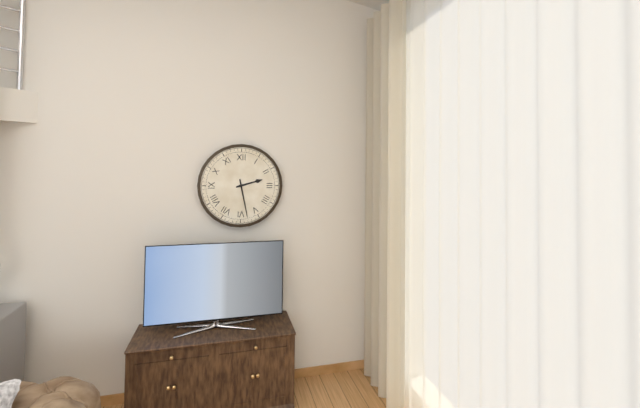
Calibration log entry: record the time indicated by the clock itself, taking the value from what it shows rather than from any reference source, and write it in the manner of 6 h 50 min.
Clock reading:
2 h 28 min
